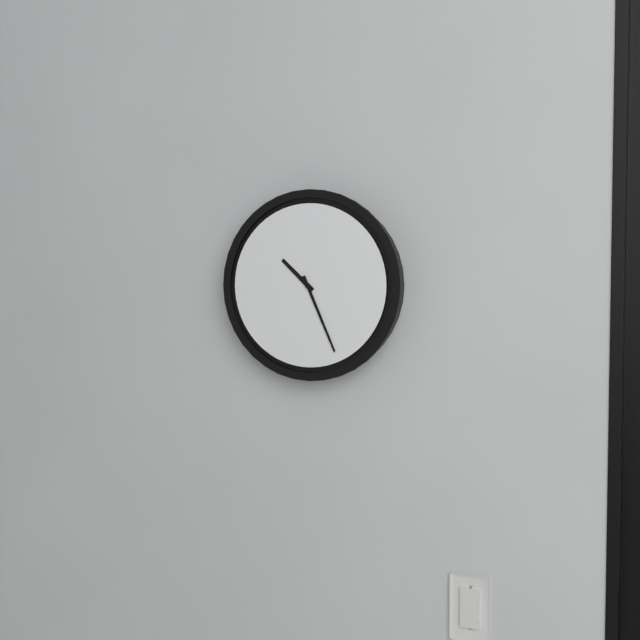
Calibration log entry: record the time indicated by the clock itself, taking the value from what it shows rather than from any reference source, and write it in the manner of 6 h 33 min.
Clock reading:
10 h 26 min
